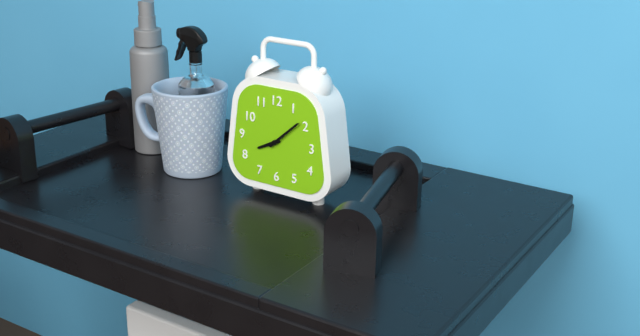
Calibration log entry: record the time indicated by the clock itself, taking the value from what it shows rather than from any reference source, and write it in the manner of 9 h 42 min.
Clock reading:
8 h 08 min
